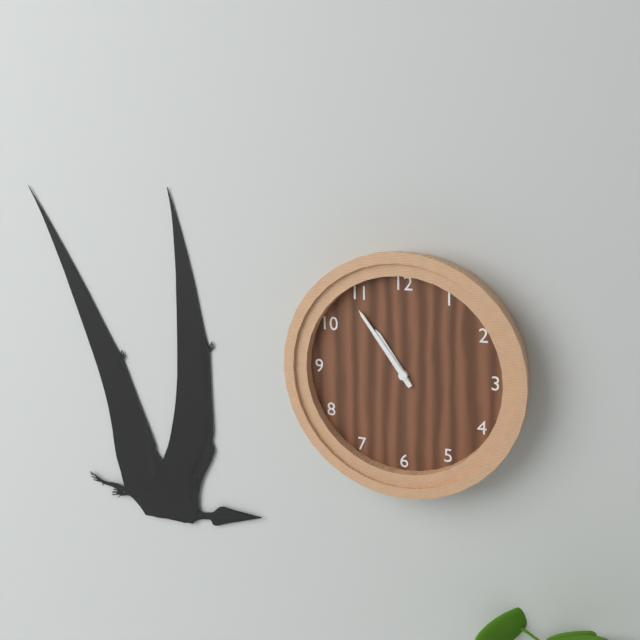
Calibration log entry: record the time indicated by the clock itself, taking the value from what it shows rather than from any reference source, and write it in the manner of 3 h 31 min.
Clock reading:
10 h 54 min
